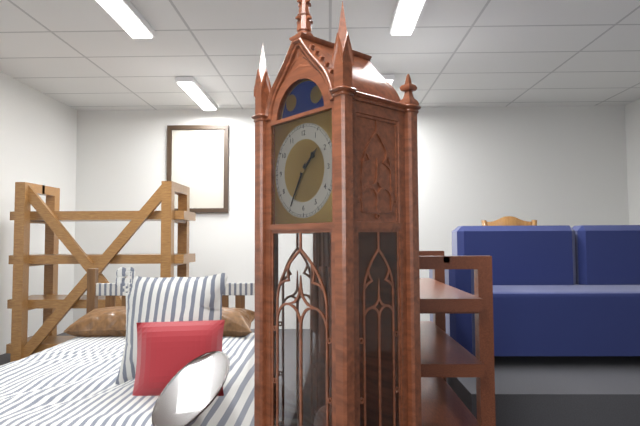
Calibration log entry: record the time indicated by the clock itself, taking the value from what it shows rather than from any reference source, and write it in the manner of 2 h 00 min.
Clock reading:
1 h 35 min
